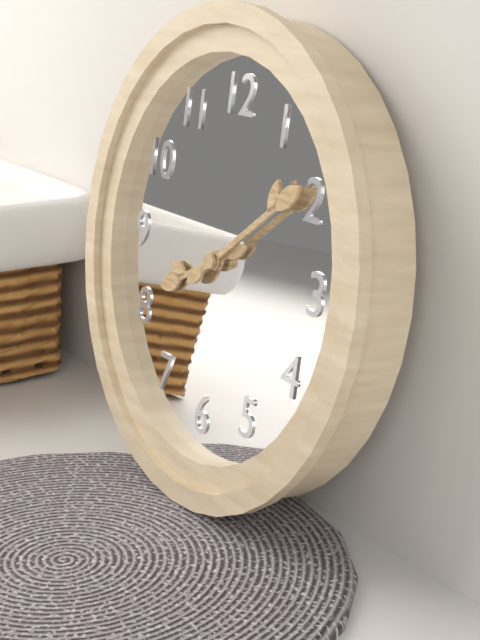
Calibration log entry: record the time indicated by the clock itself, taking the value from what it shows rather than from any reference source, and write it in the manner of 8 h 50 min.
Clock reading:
8 h 09 min
